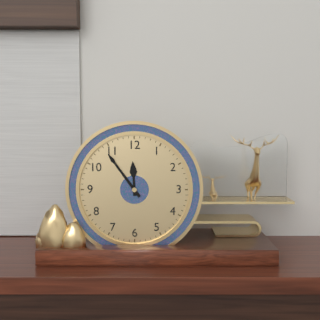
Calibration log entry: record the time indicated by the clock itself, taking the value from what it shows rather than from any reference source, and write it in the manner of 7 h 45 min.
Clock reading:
11 h 54 min
